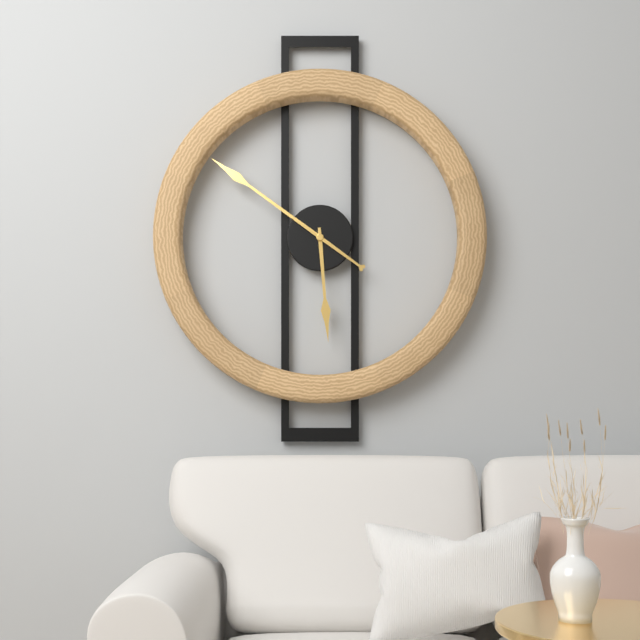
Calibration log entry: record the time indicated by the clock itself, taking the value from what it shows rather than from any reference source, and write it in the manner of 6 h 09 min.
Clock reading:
5 h 51 min
